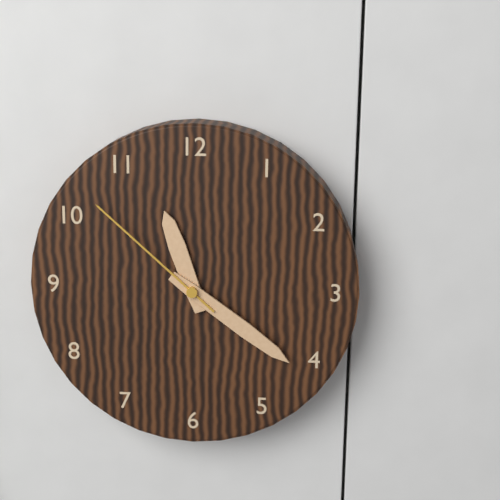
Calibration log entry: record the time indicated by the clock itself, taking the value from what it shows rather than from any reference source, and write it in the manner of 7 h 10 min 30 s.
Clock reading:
11 h 21 min 52 s
